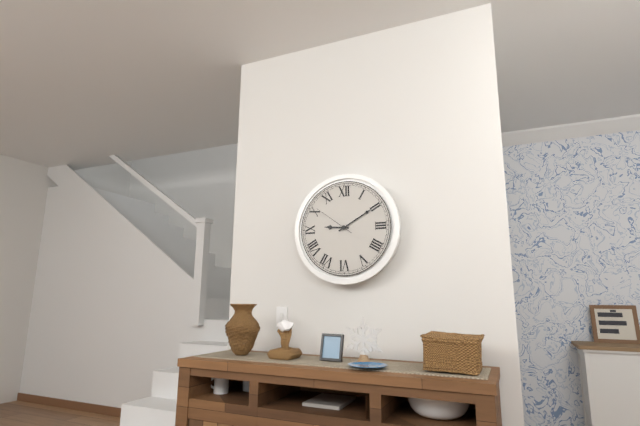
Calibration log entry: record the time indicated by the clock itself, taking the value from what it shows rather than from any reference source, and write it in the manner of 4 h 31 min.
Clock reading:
9 h 10 min
